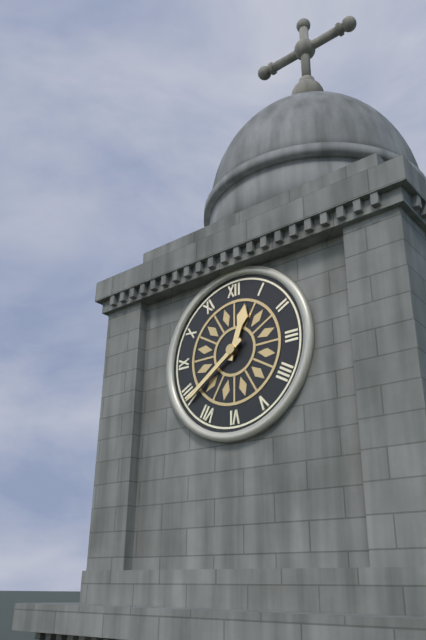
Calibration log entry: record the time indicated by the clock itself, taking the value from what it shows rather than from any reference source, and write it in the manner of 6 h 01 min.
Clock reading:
12 h 39 min
